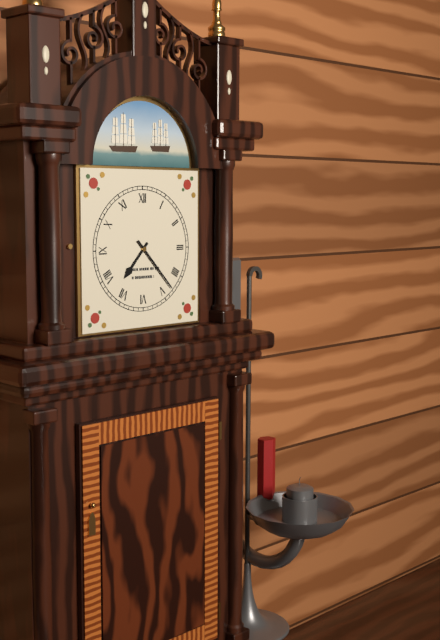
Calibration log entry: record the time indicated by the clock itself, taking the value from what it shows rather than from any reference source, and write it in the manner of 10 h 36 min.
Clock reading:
7 h 23 min
